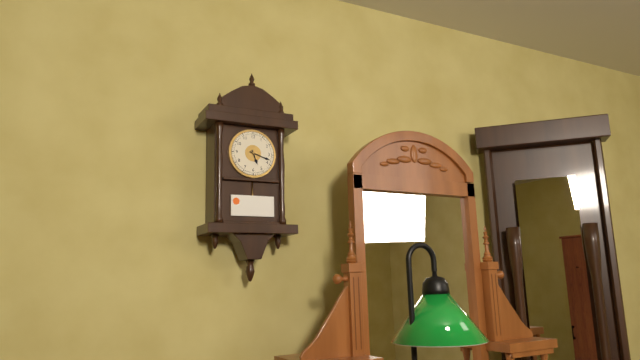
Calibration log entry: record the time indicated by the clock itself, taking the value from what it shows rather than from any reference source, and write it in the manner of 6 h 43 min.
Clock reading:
5 h 18 min
